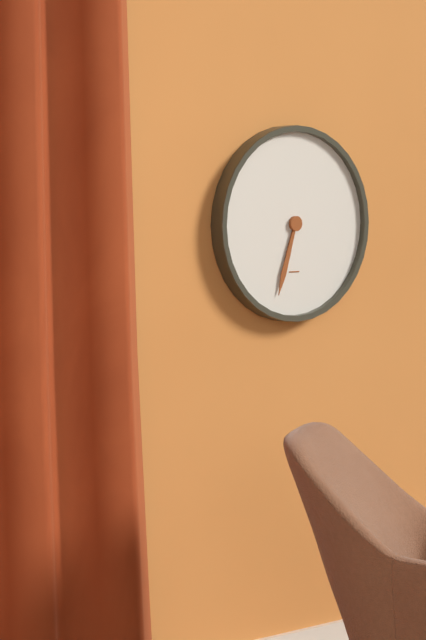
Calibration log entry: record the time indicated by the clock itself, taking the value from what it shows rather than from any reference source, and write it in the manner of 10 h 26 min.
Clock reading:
6 h 33 min
